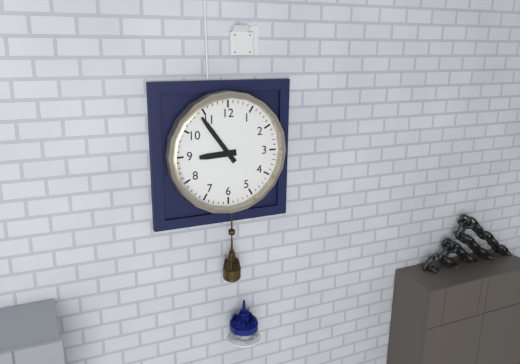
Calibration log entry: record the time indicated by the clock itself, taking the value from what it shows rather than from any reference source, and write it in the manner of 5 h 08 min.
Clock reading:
8 h 54 min
